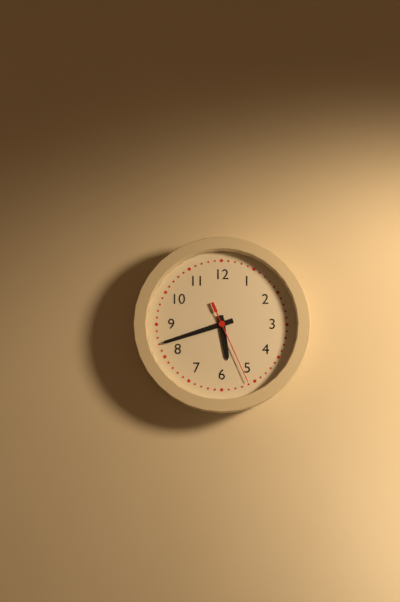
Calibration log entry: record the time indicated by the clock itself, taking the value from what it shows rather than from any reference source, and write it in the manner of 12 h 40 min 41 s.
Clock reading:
5 h 42 min 26 s
